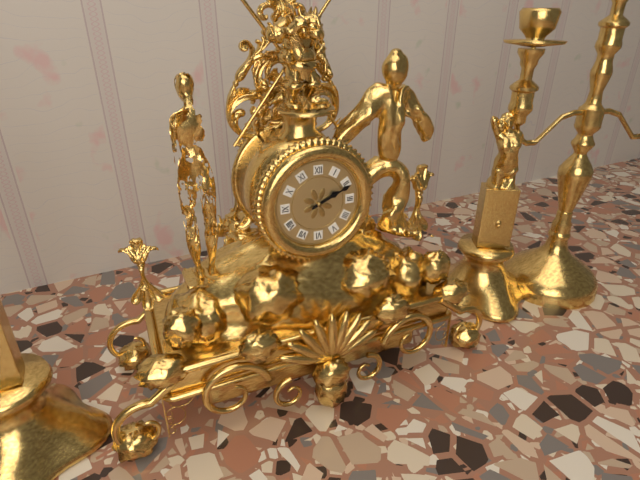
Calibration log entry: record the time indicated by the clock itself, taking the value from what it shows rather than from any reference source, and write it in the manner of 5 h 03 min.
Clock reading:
2 h 11 min
